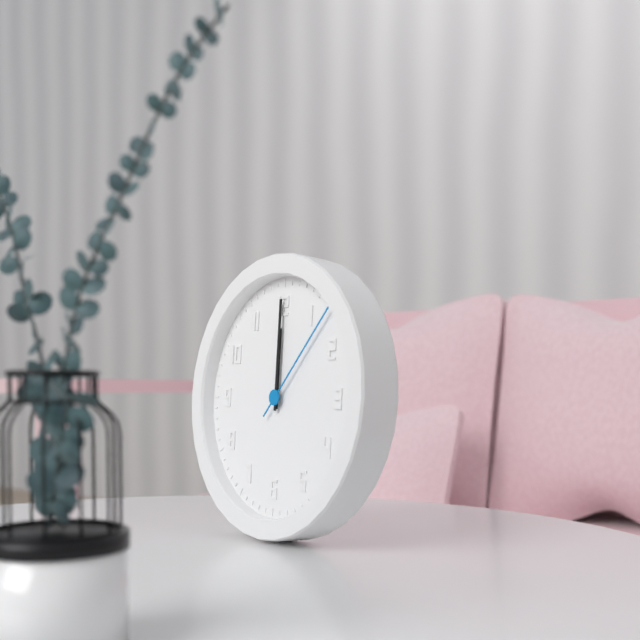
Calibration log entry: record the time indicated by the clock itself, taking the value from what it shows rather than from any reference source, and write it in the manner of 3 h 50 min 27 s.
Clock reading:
12 h 00 min 07 s
